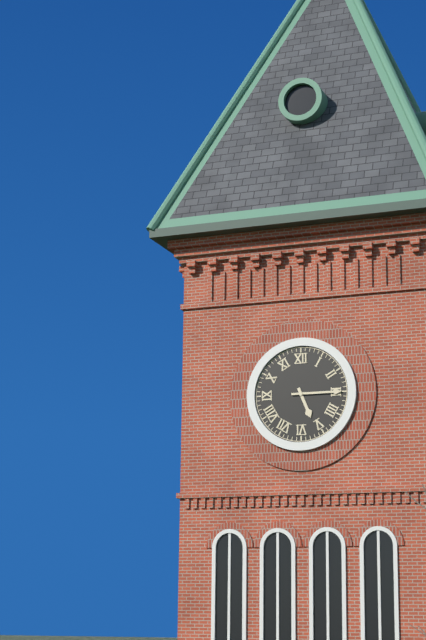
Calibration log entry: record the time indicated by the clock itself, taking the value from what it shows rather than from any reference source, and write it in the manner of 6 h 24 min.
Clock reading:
5 h 15 min
